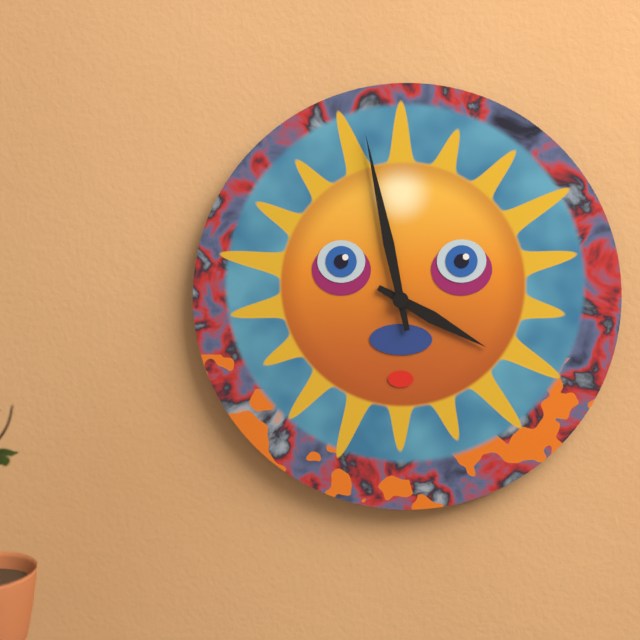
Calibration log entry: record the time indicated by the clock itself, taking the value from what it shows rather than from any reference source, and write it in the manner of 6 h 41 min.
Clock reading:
3 h 58 min
